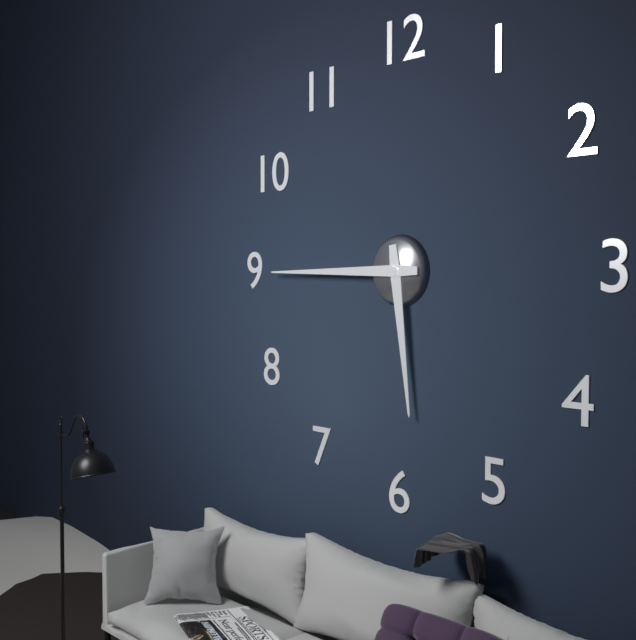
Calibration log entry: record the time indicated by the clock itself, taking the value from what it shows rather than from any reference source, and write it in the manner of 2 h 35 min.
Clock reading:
5 h 45 min
